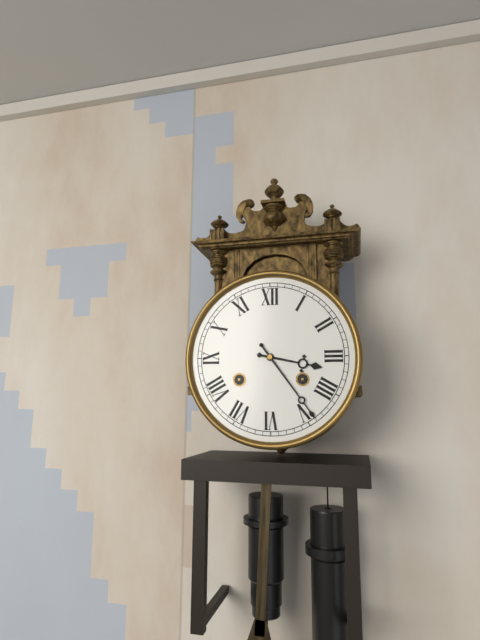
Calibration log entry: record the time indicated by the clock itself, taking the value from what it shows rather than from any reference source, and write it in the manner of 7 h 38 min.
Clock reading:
3 h 24 min
